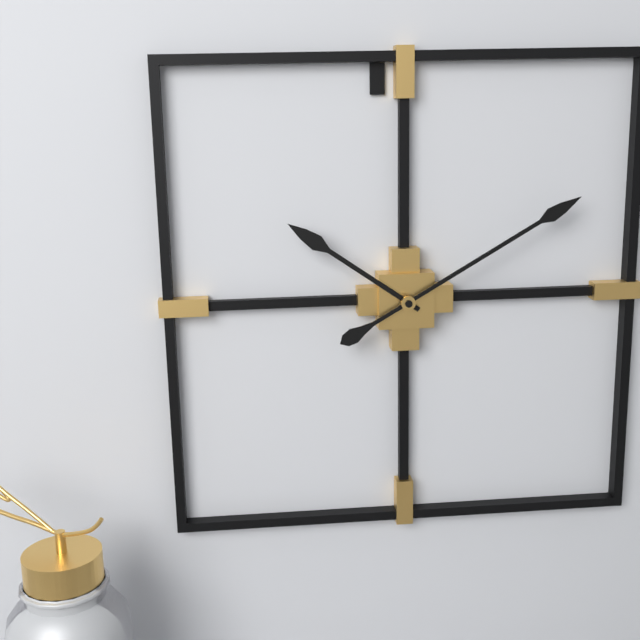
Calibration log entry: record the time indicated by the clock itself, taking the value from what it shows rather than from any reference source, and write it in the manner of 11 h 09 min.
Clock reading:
10 h 10 min
